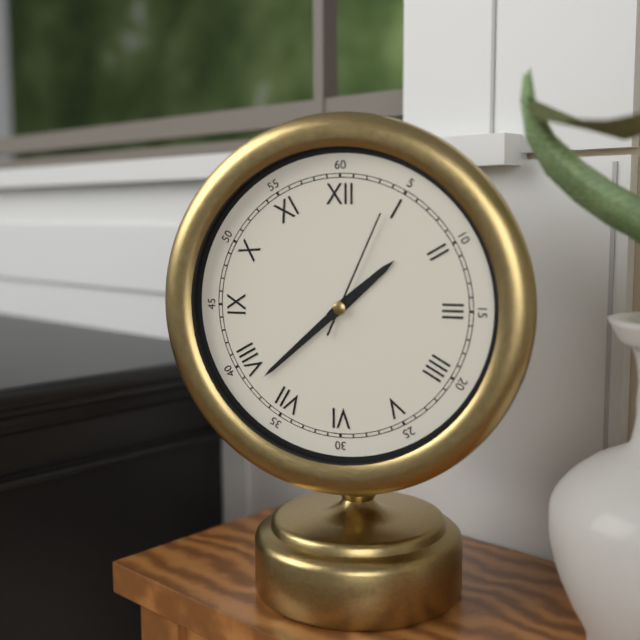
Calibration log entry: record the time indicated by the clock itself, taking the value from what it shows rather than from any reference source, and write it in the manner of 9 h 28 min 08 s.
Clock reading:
1 h 38 min 04 s
